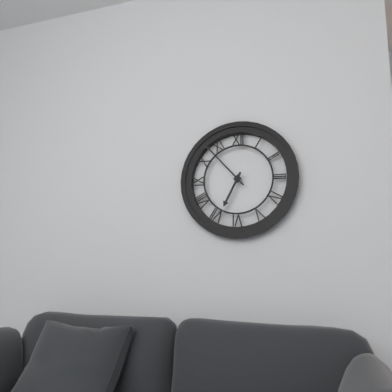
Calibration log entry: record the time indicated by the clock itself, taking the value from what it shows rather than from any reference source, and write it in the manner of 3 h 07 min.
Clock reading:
6 h 53 min
